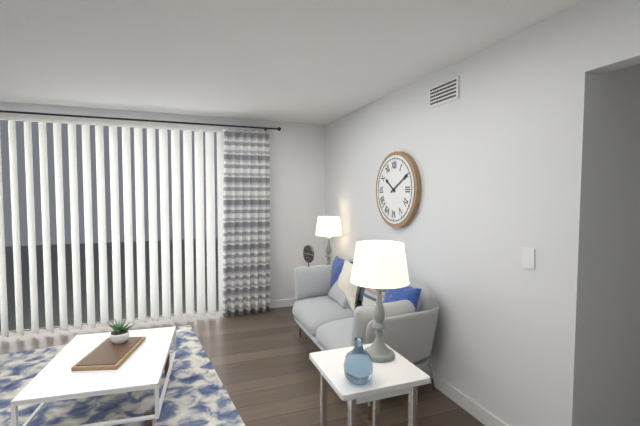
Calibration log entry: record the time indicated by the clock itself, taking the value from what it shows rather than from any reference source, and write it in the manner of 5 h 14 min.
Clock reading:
10 h 10 min
